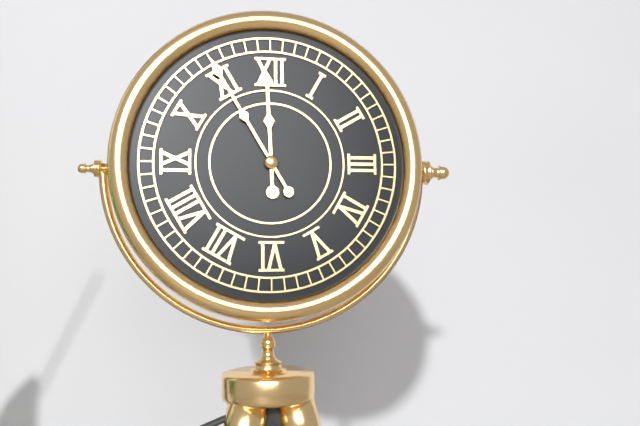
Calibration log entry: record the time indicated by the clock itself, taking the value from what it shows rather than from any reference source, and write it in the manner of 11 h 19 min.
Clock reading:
11 h 55 min
